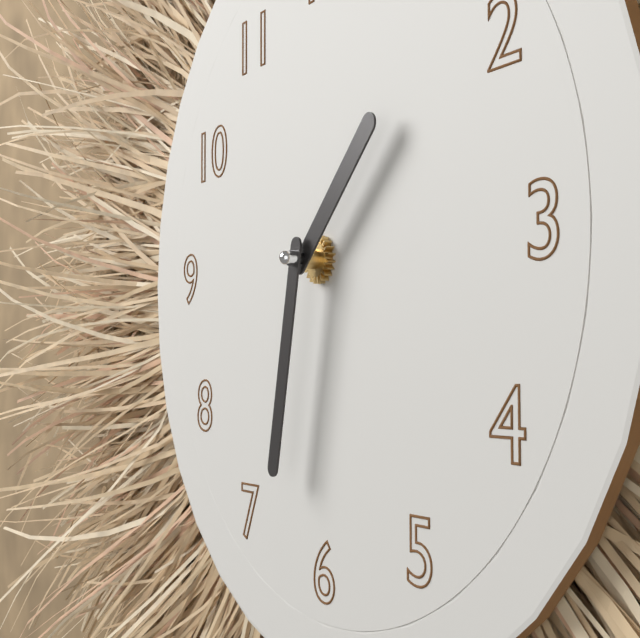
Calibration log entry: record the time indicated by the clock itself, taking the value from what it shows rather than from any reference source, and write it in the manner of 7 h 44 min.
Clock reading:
1 h 32 min
